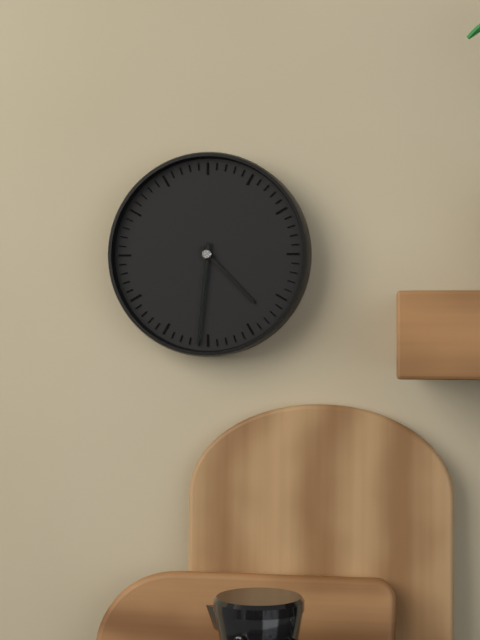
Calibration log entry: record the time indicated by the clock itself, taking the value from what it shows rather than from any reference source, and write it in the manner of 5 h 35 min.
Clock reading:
4 h 31 min
